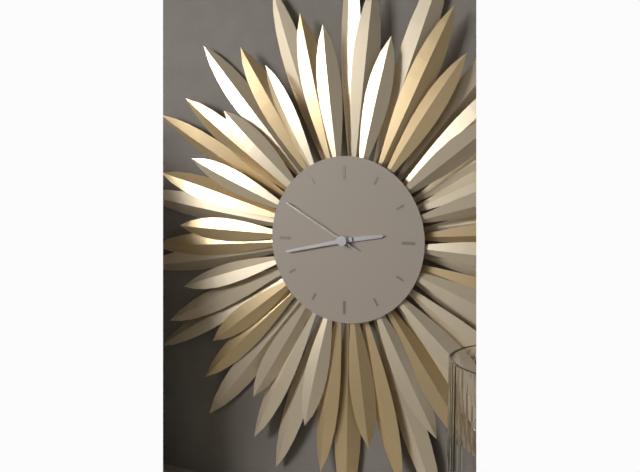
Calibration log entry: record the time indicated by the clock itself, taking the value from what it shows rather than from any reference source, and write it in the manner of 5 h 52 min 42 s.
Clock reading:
2 h 43 min 50 s
